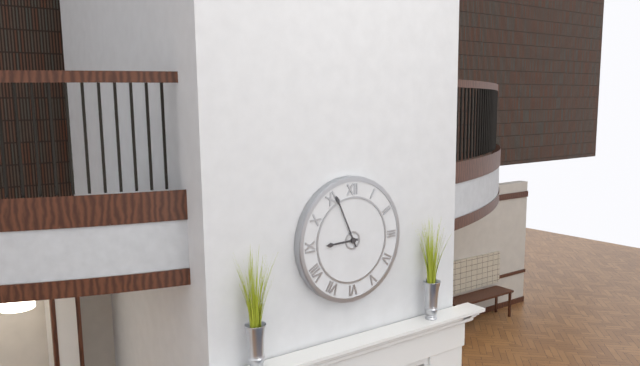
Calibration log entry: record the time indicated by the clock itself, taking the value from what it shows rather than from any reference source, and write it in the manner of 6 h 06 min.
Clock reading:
8 h 56 min
